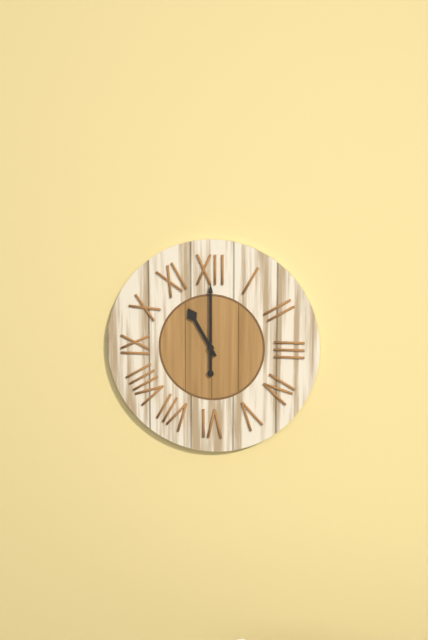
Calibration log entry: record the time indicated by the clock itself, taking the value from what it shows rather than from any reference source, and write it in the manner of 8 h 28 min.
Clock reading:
11 h 00 min
